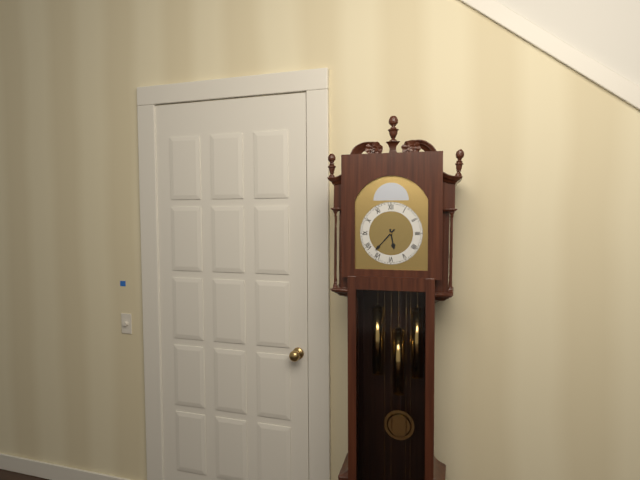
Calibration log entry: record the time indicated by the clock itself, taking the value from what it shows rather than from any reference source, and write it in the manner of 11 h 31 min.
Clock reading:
5 h 37 min
